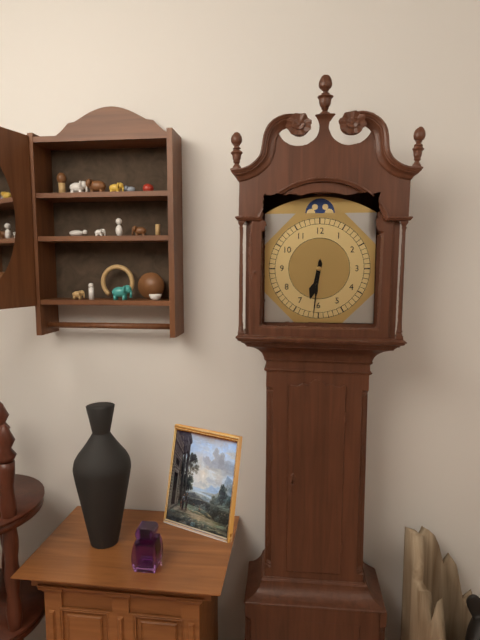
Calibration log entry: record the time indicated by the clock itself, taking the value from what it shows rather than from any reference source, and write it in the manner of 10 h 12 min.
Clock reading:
6 h 31 min
